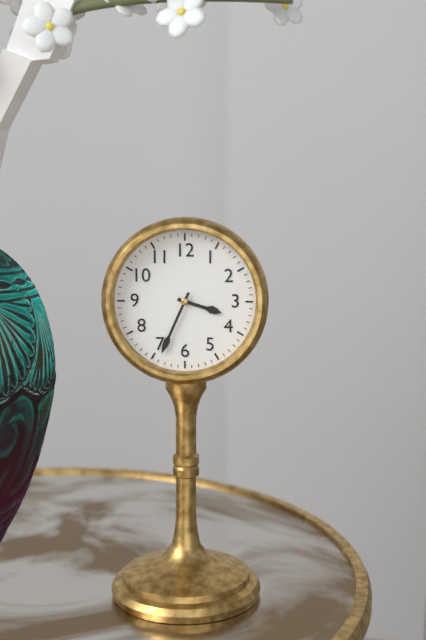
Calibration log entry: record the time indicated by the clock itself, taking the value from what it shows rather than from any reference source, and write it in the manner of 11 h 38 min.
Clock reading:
3 h 34 min
